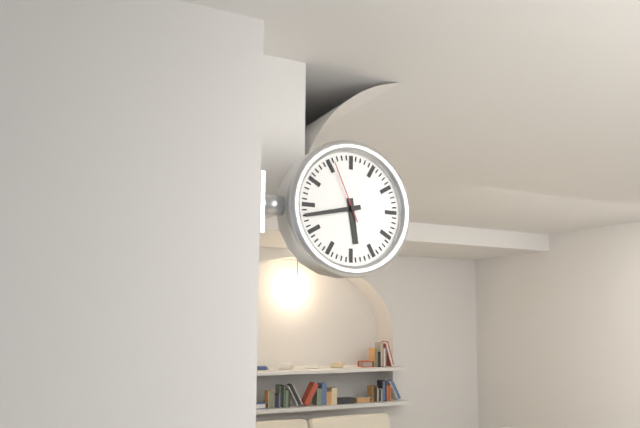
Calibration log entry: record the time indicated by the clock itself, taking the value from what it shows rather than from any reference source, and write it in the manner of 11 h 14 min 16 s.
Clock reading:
5 h 43 min 56 s
